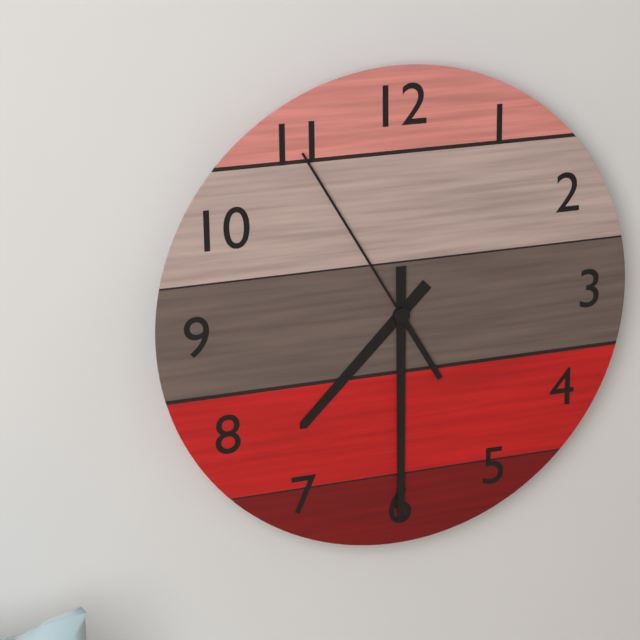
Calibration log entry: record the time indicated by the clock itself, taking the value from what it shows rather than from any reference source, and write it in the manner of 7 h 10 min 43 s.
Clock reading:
7 h 30 min 55 s
